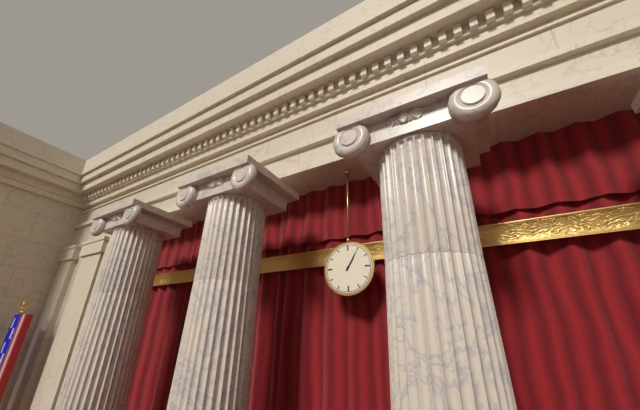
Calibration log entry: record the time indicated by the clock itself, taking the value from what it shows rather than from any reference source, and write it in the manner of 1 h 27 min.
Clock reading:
1 h 05 min
